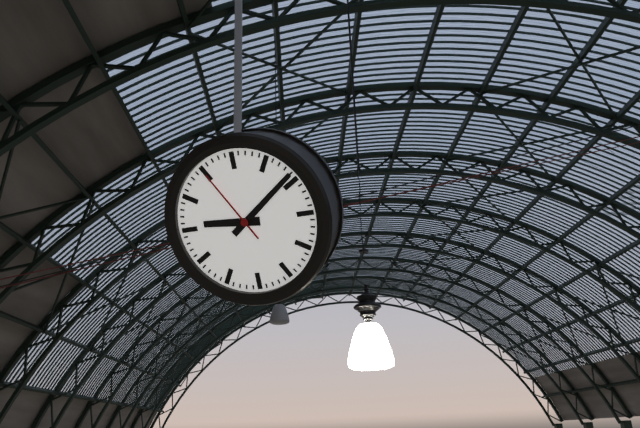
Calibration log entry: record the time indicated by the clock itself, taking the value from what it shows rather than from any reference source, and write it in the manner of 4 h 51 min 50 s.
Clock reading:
9 h 09 min 55 s
